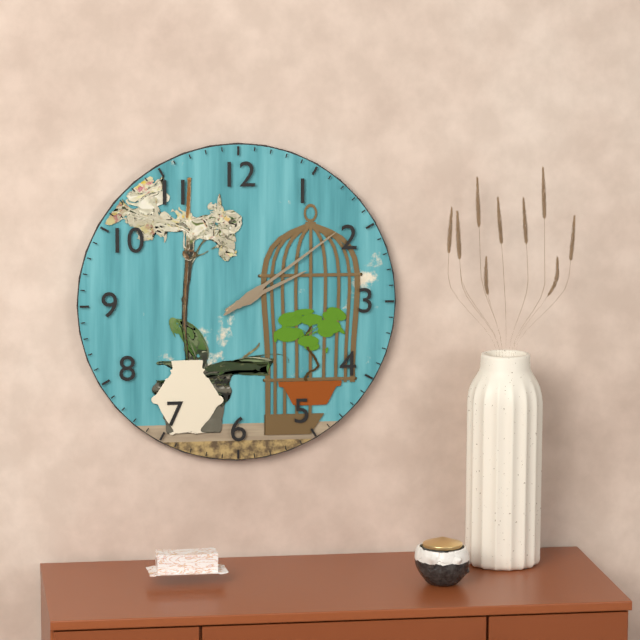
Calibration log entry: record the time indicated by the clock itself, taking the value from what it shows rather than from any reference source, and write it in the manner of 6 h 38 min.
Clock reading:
2 h 09 min
